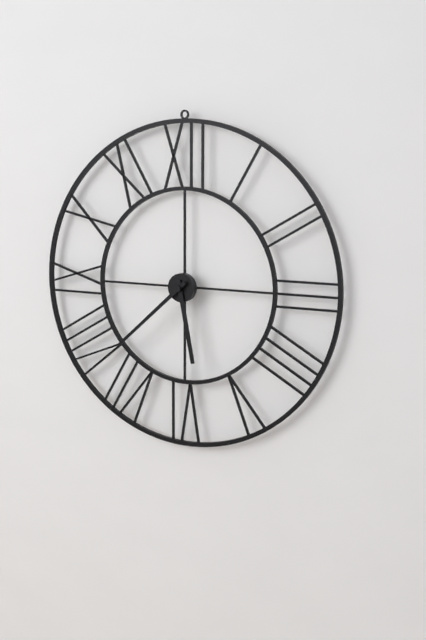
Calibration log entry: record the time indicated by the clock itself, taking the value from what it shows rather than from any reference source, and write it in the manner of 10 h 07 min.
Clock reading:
5 h 38 min
